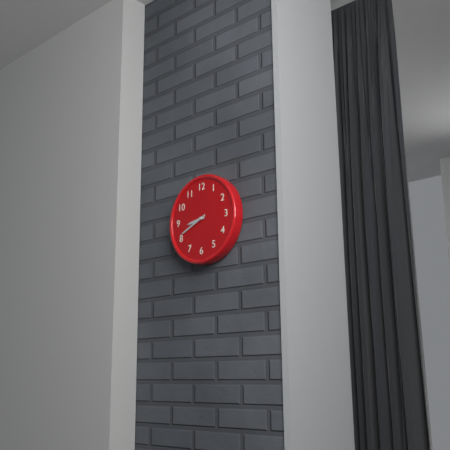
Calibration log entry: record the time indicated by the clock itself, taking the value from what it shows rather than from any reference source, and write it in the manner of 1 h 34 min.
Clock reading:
8 h 41 min
